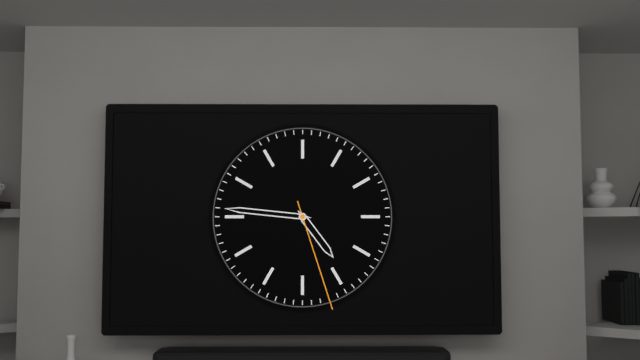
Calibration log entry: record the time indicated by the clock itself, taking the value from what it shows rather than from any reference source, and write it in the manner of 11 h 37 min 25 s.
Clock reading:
4 h 46 min 27 s
